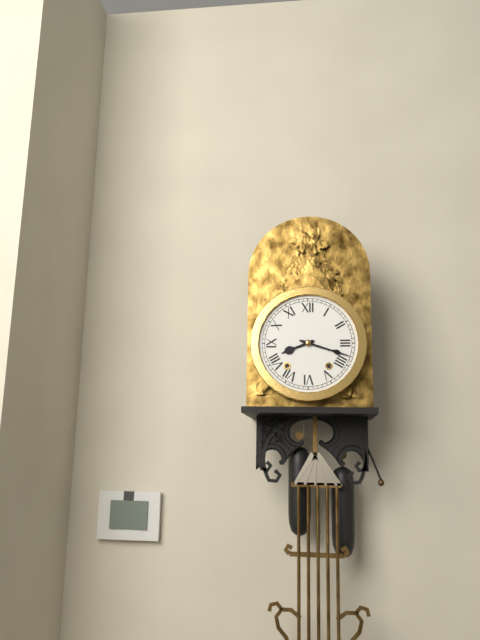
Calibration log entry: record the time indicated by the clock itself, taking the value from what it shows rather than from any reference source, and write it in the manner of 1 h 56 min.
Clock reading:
8 h 18 min
